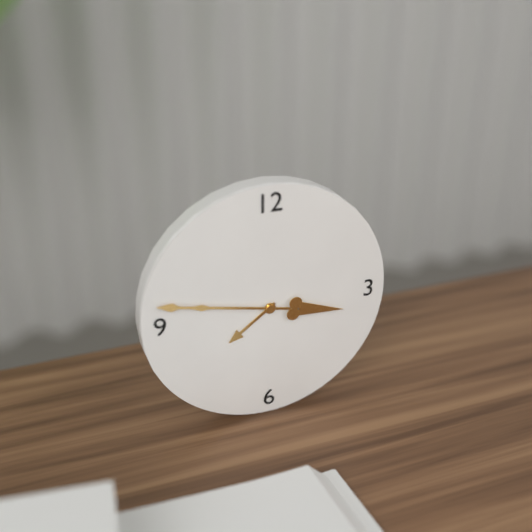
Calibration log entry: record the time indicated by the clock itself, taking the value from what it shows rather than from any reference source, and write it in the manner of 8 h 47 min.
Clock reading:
7 h 47 min
